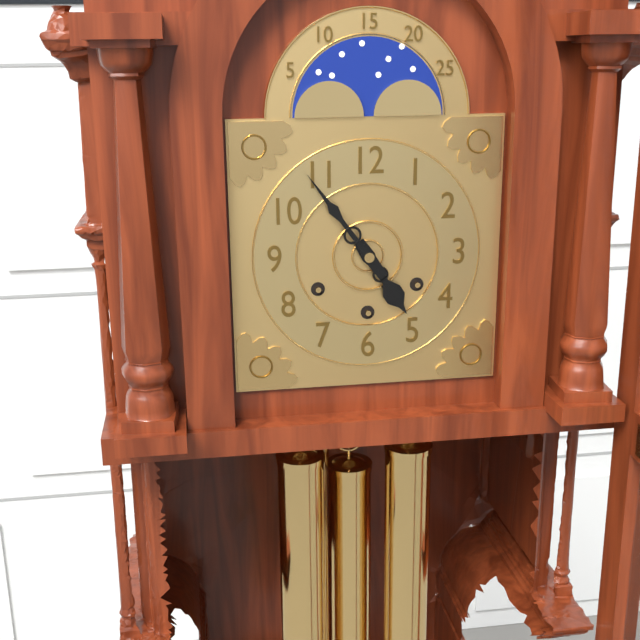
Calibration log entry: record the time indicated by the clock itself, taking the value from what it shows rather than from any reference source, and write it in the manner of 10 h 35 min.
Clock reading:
4 h 54 min
